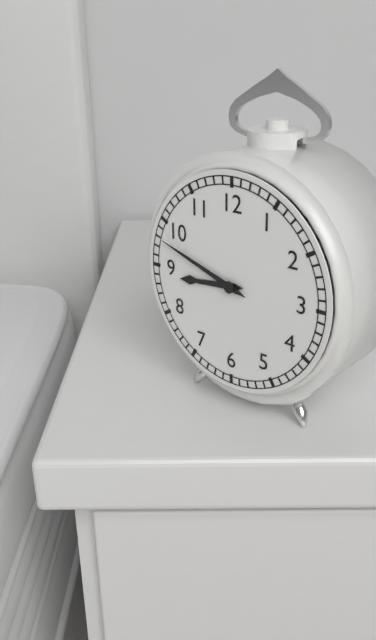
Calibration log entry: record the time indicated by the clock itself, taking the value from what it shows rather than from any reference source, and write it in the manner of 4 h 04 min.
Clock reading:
8 h 48 min
